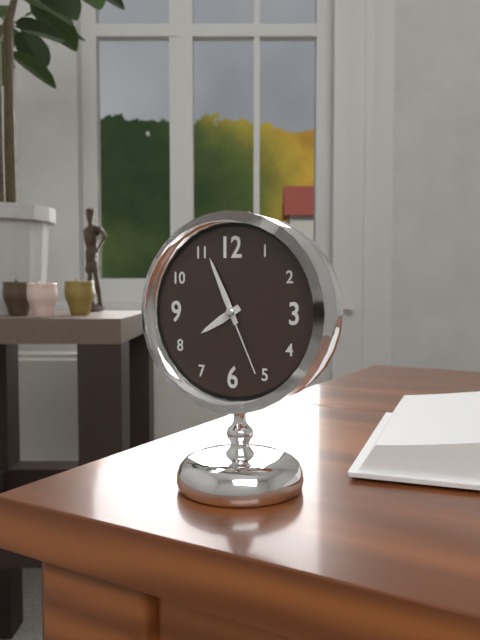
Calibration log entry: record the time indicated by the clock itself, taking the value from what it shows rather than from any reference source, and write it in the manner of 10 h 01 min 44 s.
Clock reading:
7 h 56 min 26 s
